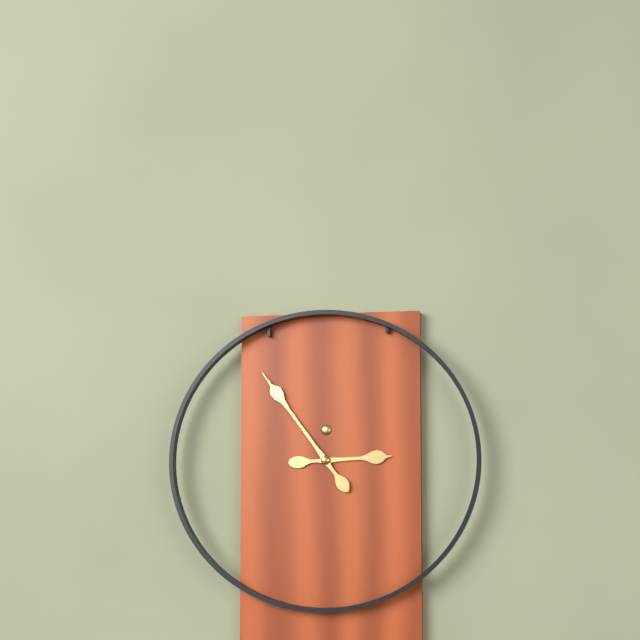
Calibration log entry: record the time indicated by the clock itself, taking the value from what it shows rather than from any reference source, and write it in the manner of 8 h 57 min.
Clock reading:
2 h 54 min
